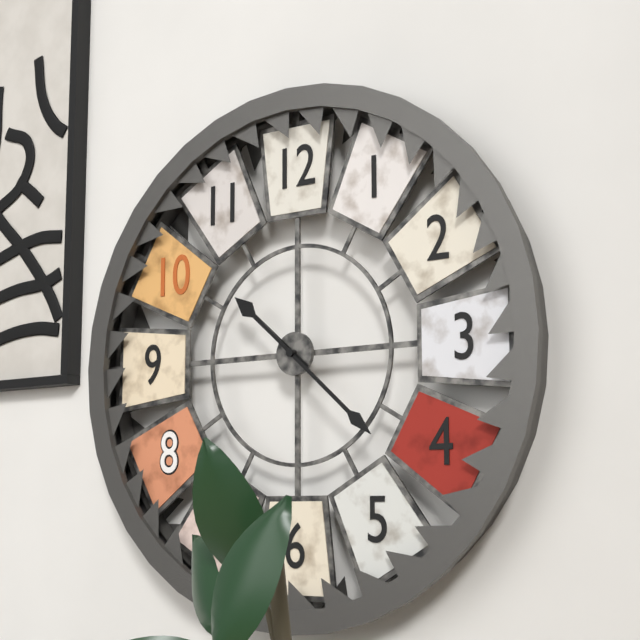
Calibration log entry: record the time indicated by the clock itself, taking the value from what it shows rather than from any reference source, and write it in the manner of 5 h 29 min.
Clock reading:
10 h 22 min
